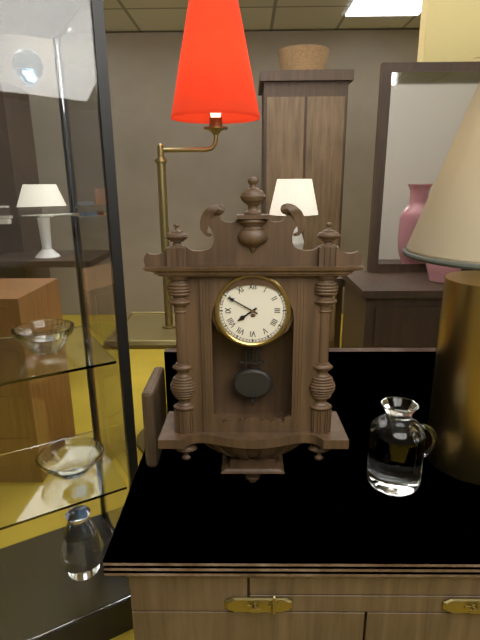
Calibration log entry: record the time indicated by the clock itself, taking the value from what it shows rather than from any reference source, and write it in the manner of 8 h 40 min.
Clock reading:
7 h 50 min
